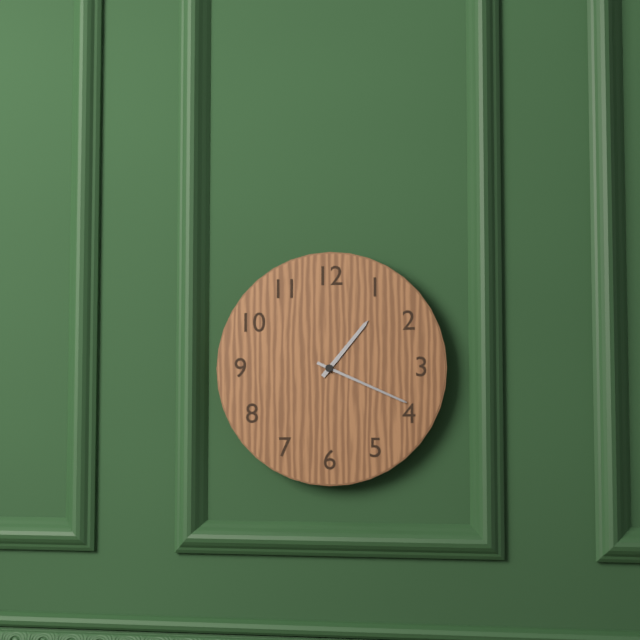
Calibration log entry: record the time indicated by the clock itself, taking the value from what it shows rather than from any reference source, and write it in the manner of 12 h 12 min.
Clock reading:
1 h 19 min
